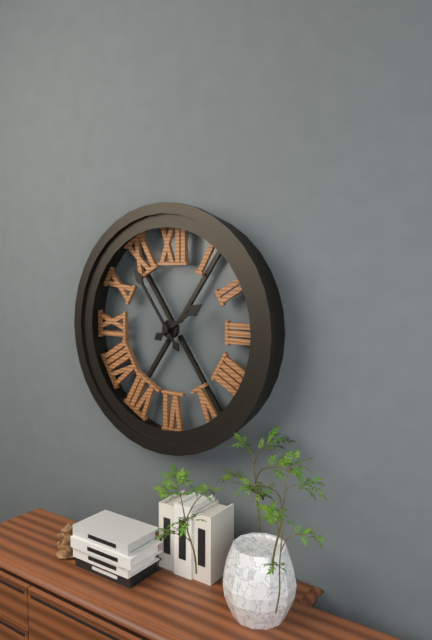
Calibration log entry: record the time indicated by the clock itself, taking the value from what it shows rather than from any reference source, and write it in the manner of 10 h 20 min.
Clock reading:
1 h 54 min
